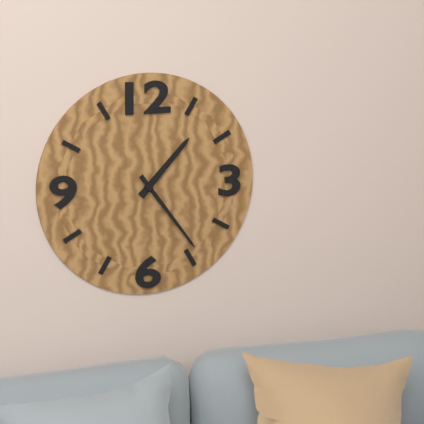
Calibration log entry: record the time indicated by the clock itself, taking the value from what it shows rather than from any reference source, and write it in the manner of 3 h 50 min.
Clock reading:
1 h 24 min
